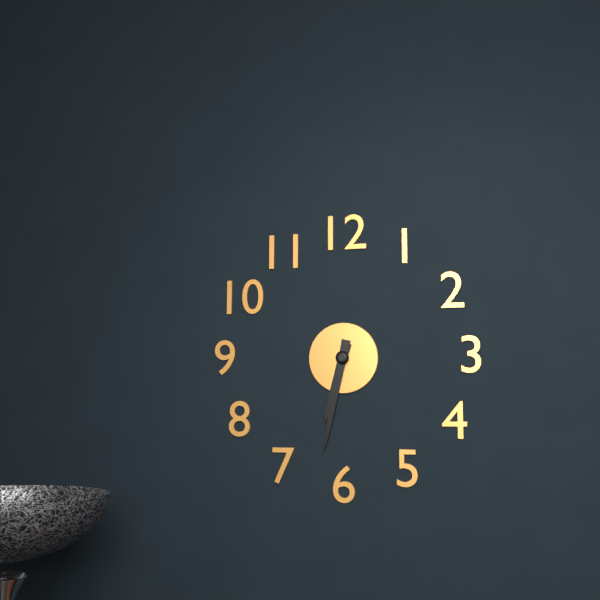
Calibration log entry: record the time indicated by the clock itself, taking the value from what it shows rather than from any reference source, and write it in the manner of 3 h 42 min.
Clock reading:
6 h 32 min
